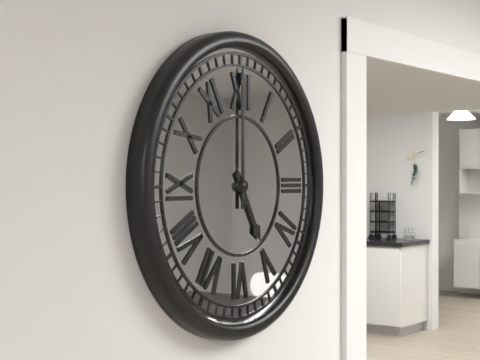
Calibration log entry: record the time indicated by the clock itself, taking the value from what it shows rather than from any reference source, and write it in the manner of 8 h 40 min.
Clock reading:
5 h 00 min
